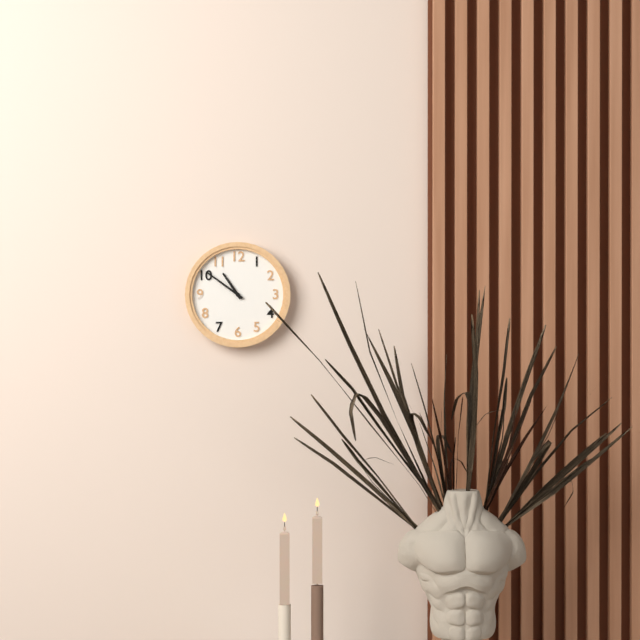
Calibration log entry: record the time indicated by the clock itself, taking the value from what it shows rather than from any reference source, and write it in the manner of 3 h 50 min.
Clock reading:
10 h 51 min
